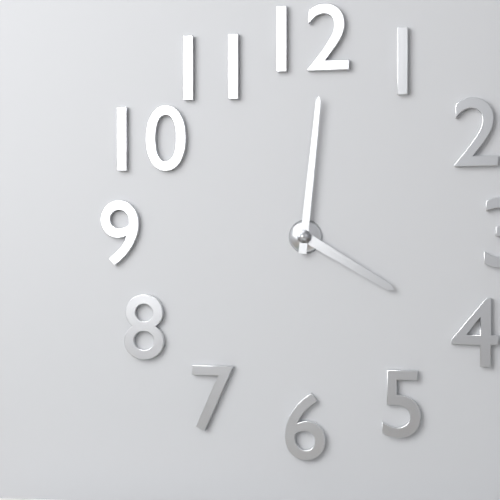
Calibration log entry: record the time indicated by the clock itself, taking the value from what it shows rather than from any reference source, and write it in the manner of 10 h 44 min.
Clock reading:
4 h 01 min
